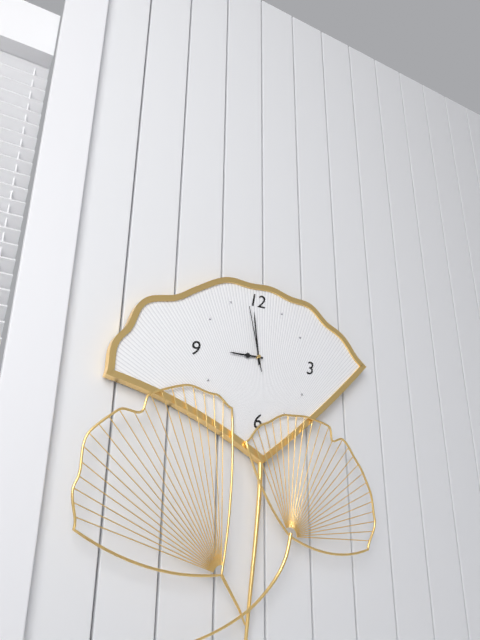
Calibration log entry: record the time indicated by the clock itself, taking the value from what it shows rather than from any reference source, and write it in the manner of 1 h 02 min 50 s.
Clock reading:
8 h 59 min 58 s
